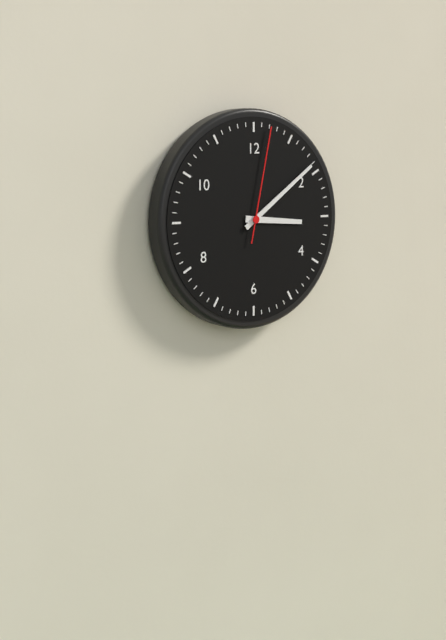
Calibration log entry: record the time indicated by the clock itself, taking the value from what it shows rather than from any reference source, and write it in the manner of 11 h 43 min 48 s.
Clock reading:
3 h 09 min 02 s
